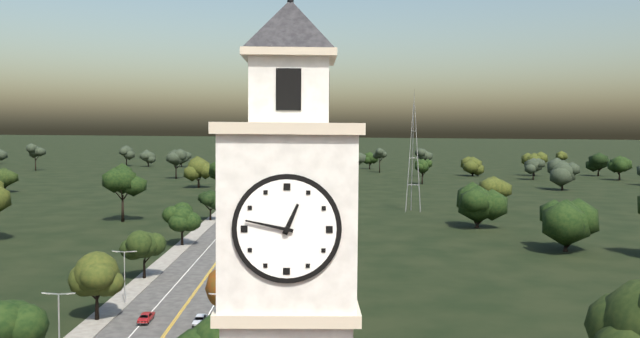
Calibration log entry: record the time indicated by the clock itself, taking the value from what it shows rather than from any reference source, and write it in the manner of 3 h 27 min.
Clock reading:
12 h 47 min
